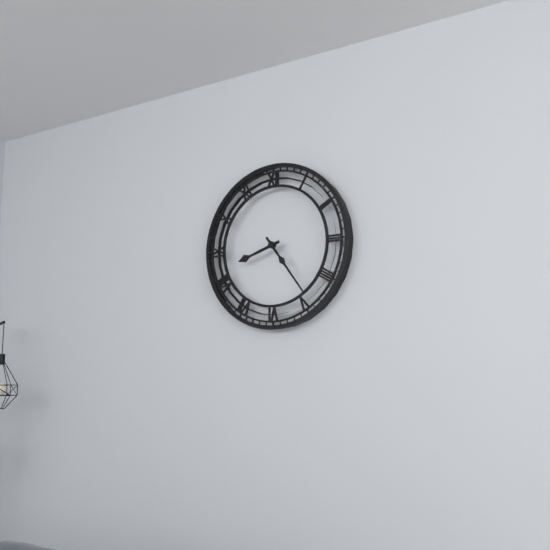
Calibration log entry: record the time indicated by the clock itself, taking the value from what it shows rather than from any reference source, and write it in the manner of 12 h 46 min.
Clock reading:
8 h 24 min
